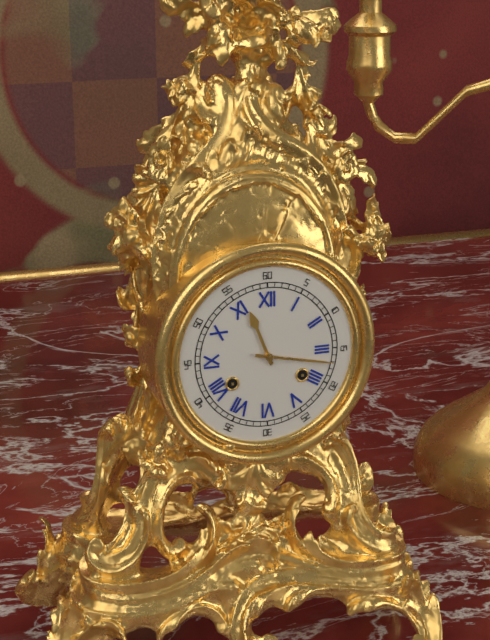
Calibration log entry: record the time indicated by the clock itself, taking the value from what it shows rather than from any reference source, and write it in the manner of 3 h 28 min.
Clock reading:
11 h 17 min
